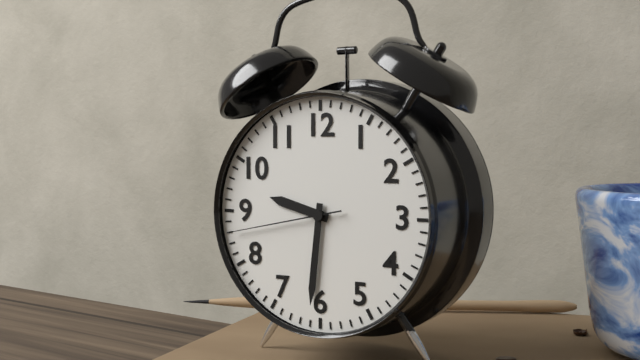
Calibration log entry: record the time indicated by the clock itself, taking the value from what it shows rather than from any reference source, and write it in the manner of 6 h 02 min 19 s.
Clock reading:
9 h 31 min 43 s
